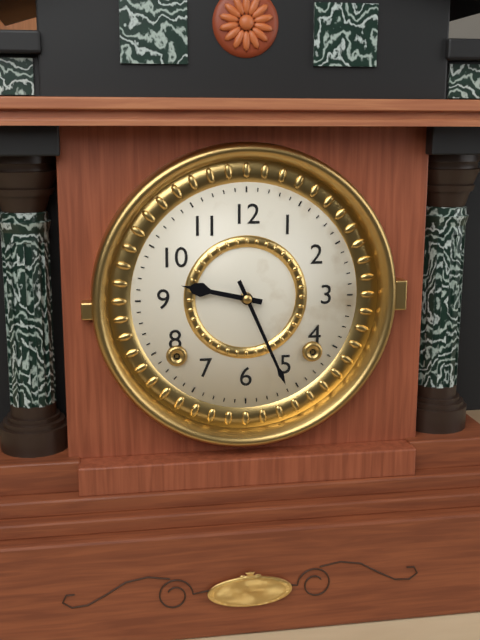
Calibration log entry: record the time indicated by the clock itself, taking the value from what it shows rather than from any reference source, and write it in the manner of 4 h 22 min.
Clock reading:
9 h 26 min
